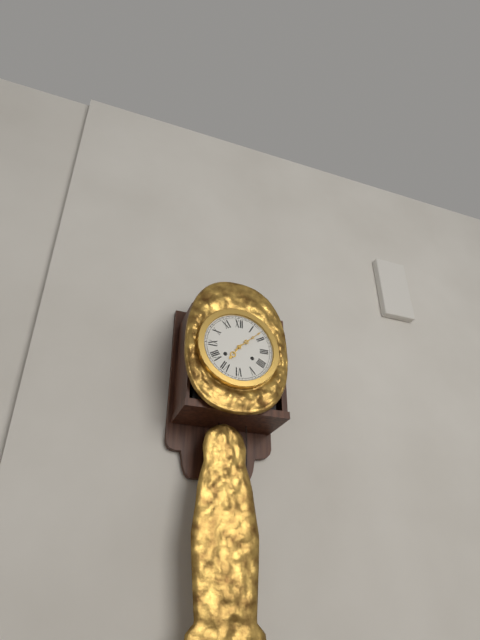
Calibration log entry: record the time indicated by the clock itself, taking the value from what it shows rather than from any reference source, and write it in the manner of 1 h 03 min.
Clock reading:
7 h 08 min
